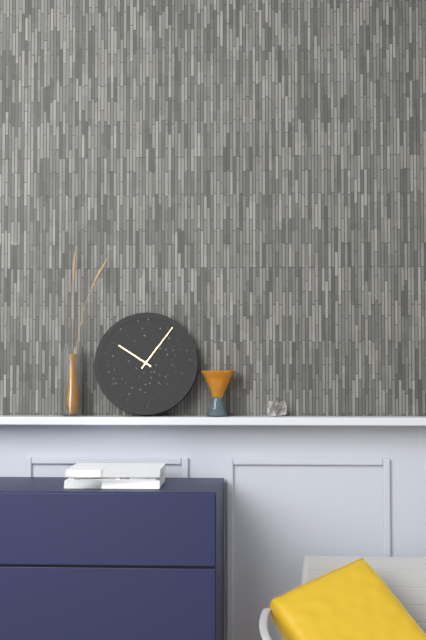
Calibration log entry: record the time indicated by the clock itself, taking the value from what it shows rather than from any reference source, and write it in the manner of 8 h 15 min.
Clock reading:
10 h 06 min
